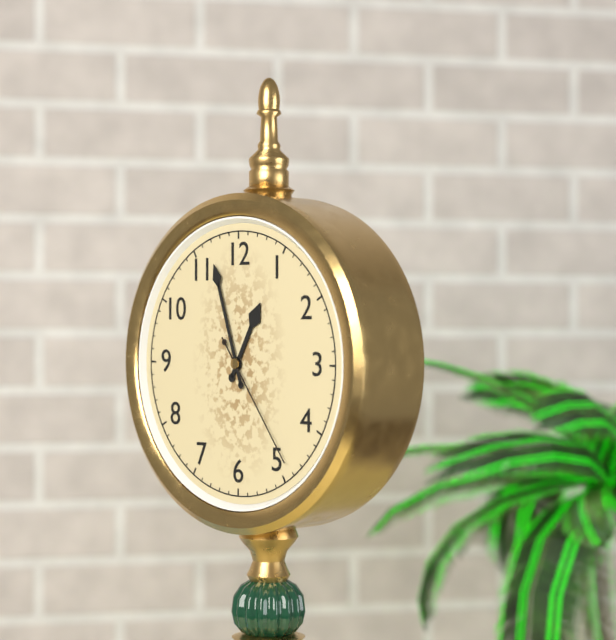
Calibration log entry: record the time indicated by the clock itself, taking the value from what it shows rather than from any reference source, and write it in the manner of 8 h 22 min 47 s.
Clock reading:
12 h 57 min 24 s
